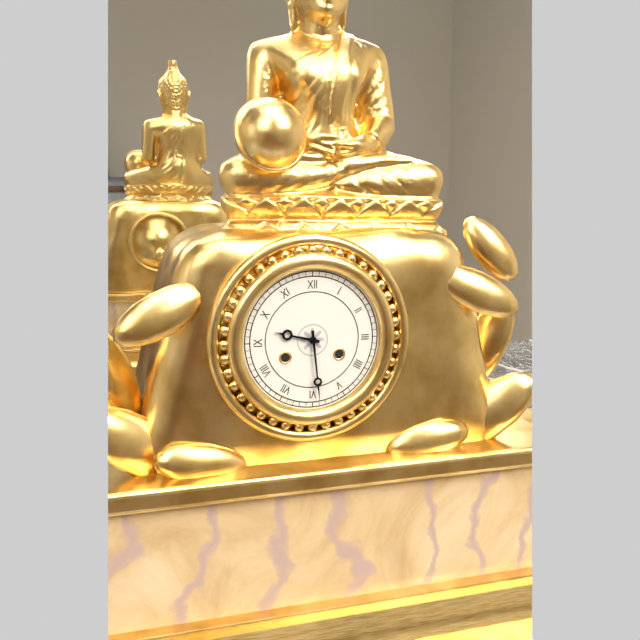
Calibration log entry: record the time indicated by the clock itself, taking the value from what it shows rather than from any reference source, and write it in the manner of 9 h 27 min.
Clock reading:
9 h 29 min
